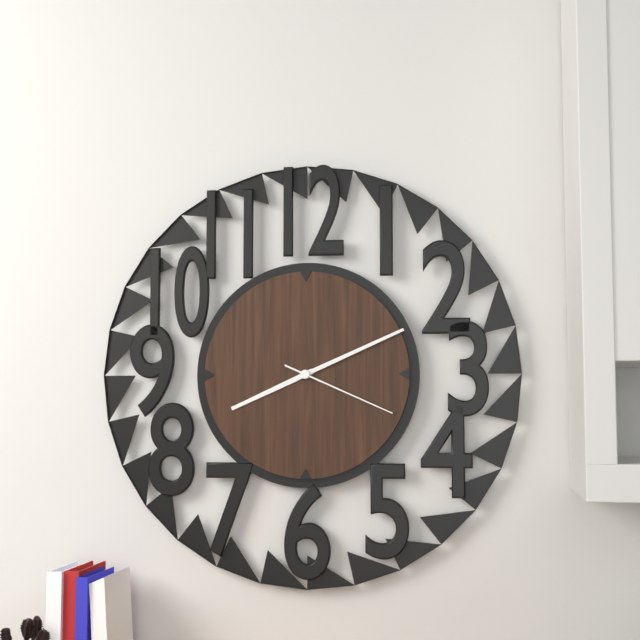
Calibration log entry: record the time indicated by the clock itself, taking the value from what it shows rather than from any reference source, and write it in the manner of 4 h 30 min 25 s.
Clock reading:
8 h 11 min 19 s
